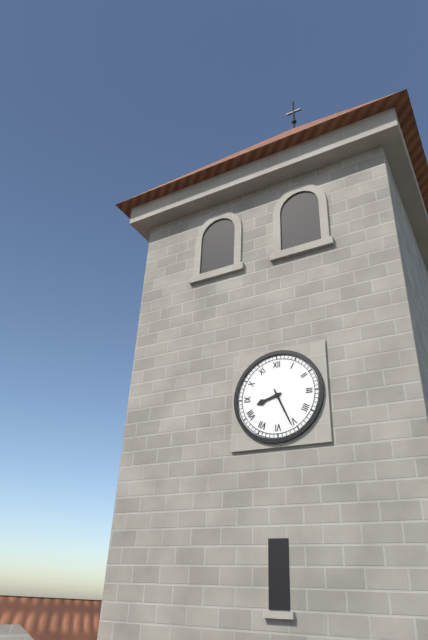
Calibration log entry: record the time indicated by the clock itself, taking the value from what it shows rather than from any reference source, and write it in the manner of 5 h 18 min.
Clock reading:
8 h 26 min
